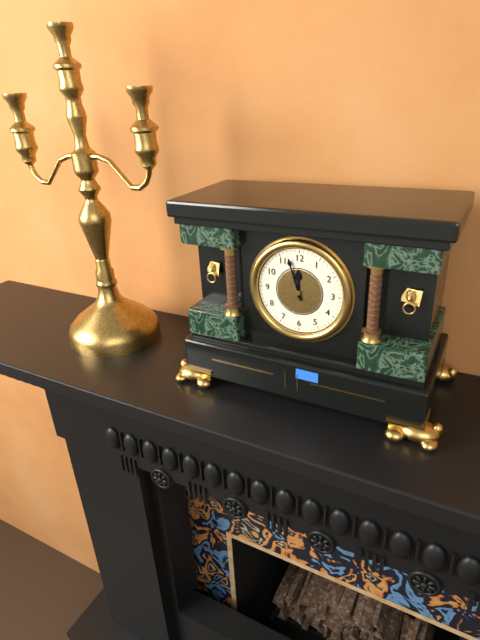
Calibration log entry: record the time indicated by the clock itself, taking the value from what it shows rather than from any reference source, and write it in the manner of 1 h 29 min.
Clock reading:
11 h 57 min
